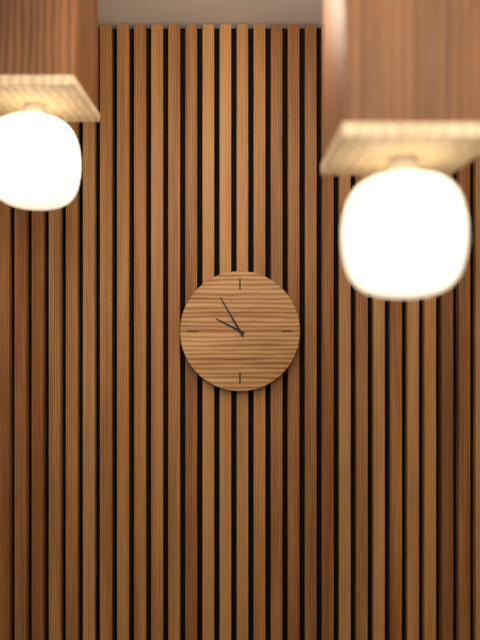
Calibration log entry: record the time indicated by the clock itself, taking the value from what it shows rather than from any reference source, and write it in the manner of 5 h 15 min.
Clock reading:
9 h 55 min
